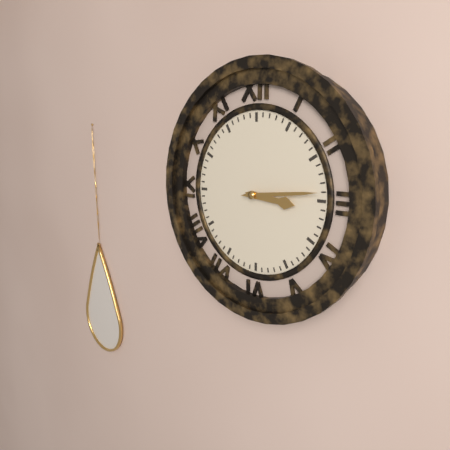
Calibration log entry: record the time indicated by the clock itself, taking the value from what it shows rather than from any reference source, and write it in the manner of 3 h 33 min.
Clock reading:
3 h 14 min
